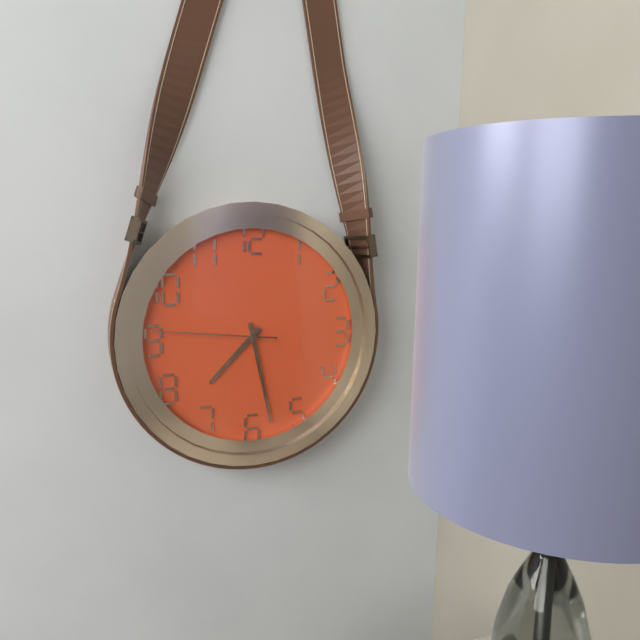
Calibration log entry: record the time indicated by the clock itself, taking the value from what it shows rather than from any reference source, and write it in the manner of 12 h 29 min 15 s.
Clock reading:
7 h 28 min 46 s
